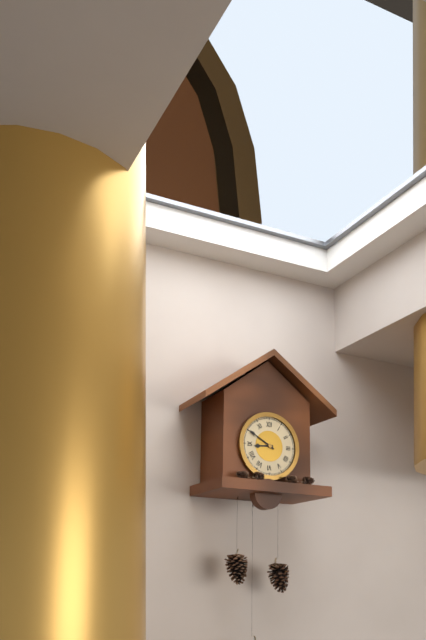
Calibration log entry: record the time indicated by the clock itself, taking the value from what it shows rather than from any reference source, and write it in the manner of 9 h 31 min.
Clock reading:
8 h 50 min
